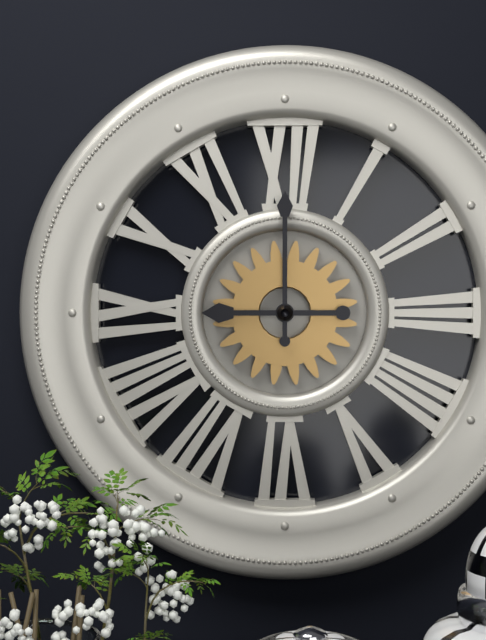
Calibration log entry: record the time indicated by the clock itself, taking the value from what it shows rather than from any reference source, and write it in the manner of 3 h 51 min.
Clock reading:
9 h 00 min
